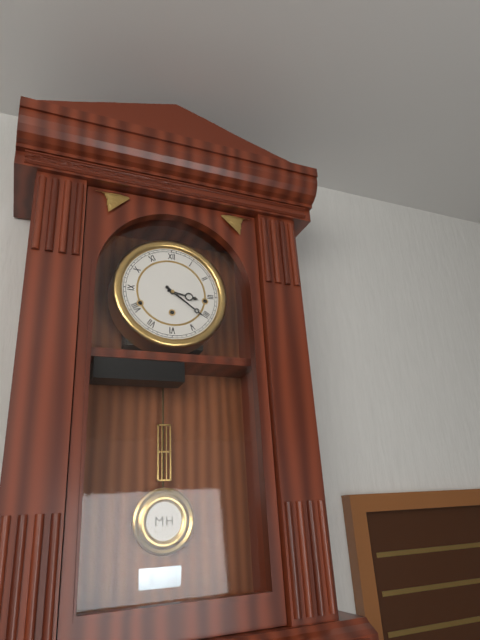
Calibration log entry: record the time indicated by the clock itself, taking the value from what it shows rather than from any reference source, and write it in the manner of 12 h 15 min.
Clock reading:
3 h 21 min
